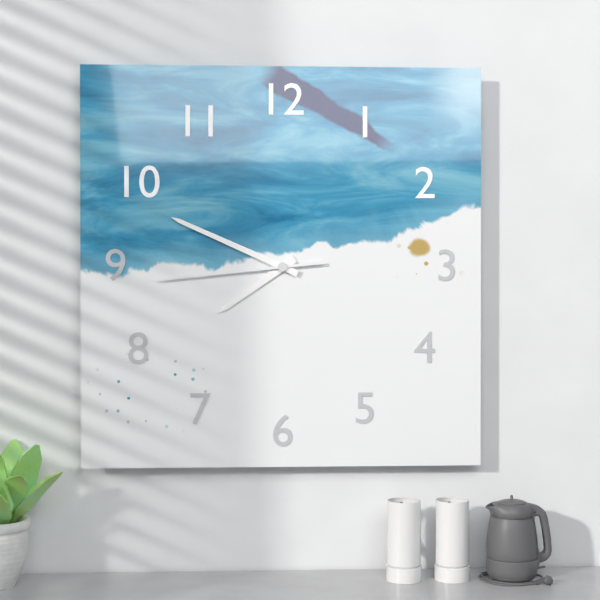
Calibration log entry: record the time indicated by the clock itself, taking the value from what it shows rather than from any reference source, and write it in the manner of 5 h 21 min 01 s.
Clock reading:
7 h 49 min 44 s
